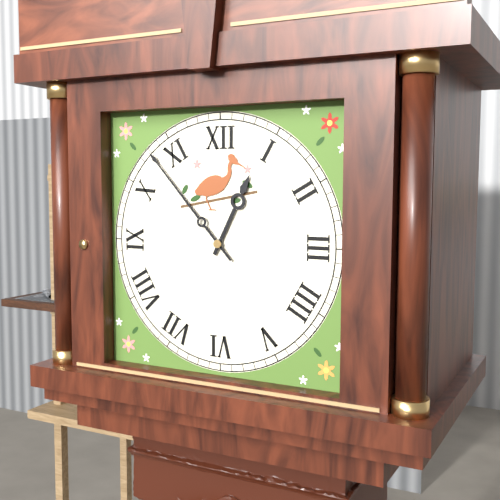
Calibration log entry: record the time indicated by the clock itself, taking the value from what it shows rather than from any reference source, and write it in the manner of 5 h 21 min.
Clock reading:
12 h 53 min
